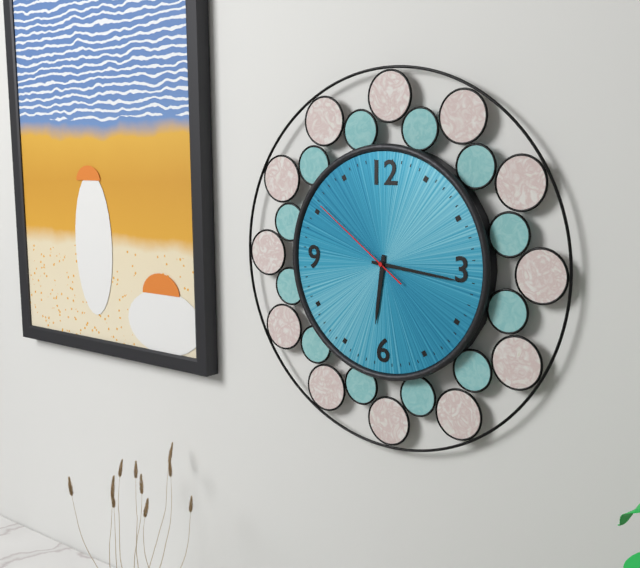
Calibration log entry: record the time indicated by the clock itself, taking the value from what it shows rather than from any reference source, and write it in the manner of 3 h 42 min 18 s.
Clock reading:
6 h 16 min 51 s
